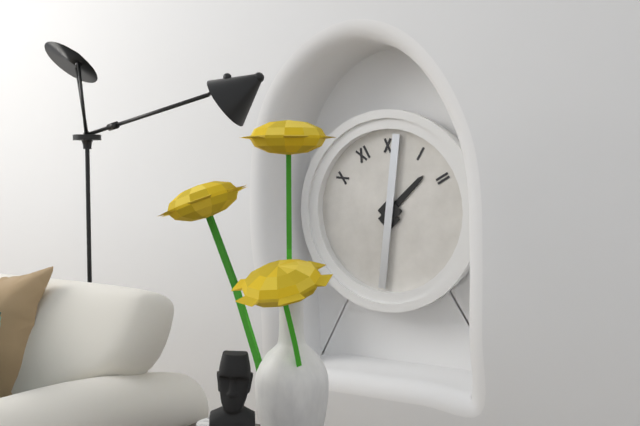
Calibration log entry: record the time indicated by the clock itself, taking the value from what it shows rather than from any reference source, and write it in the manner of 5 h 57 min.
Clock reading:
1 h 31 min
